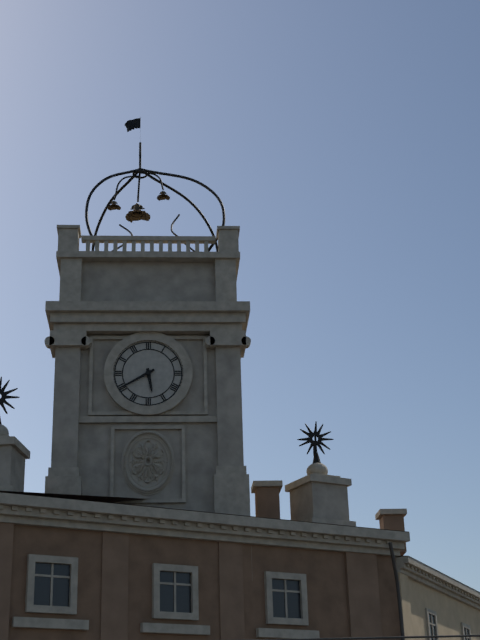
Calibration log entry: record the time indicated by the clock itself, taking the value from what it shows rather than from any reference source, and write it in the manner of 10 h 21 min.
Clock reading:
5 h 40 min
